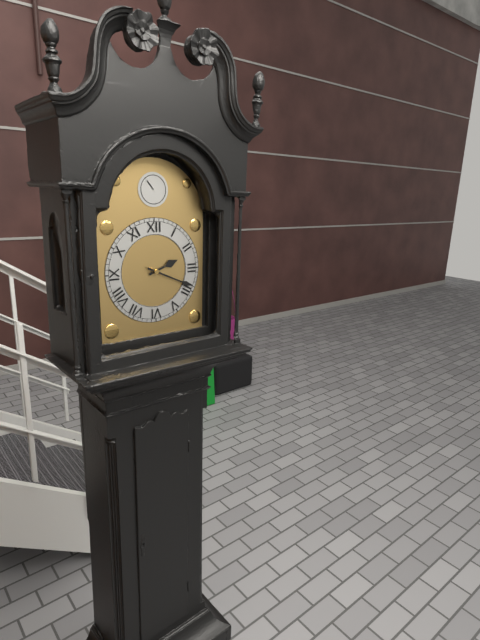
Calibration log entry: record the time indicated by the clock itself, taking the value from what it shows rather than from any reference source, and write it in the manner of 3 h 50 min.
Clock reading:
2 h 19 min
